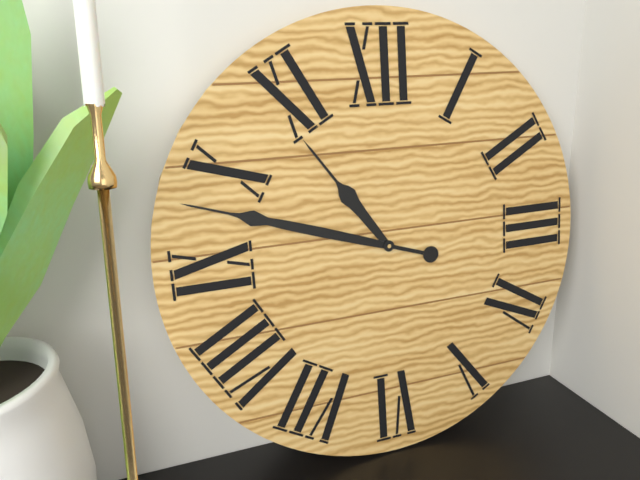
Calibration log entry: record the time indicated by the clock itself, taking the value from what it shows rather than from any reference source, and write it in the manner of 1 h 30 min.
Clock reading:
10 h 48 min
